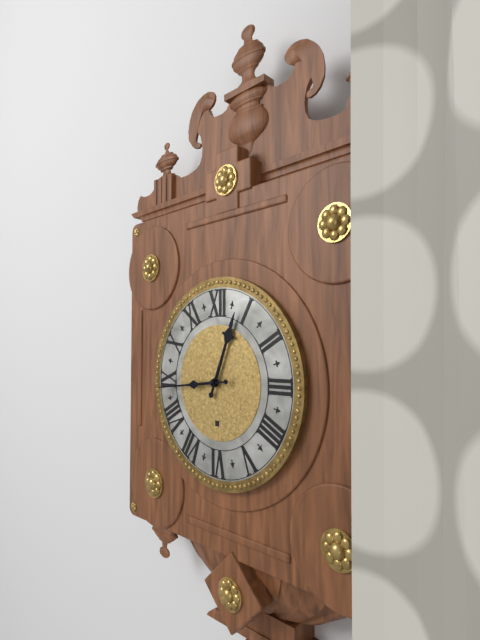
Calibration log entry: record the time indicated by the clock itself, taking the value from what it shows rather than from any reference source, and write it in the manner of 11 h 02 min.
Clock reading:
12 h 44 min
